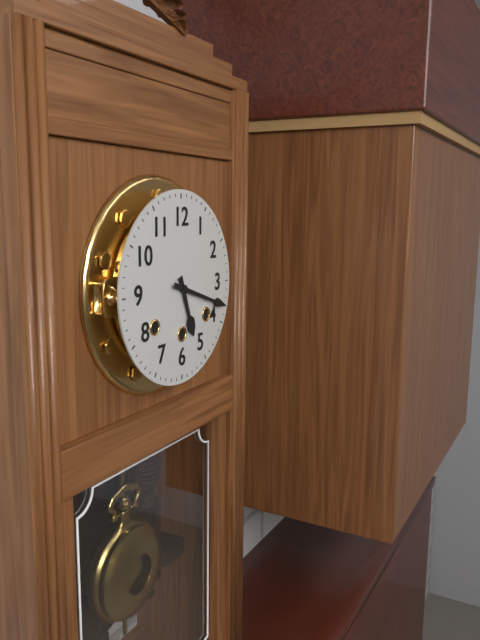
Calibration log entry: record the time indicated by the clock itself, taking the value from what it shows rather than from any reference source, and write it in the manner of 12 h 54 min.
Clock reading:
5 h 18 min
